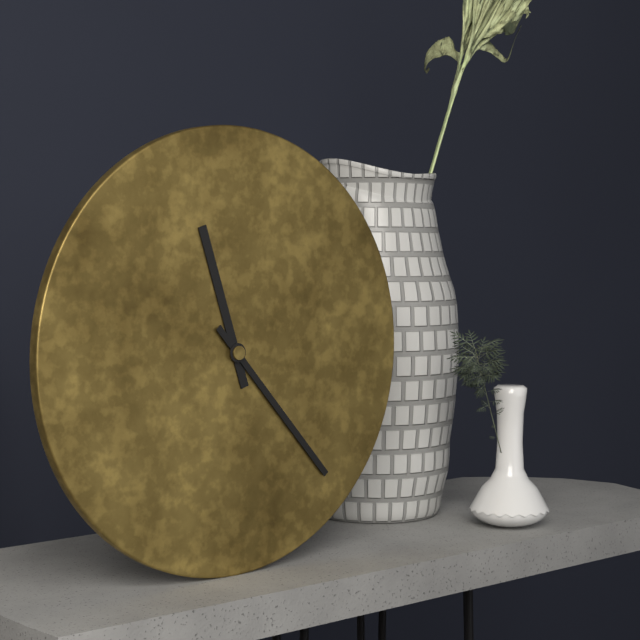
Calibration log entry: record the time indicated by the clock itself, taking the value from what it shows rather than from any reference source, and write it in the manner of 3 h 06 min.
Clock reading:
11 h 23 min
